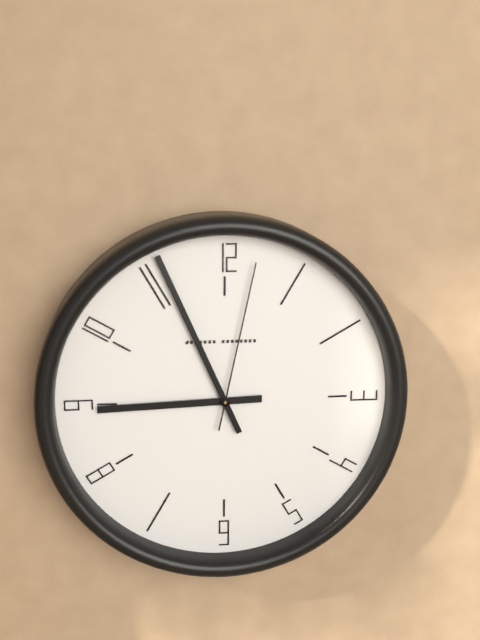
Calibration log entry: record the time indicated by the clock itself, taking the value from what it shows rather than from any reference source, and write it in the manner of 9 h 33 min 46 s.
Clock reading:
8 h 56 min 02 s
